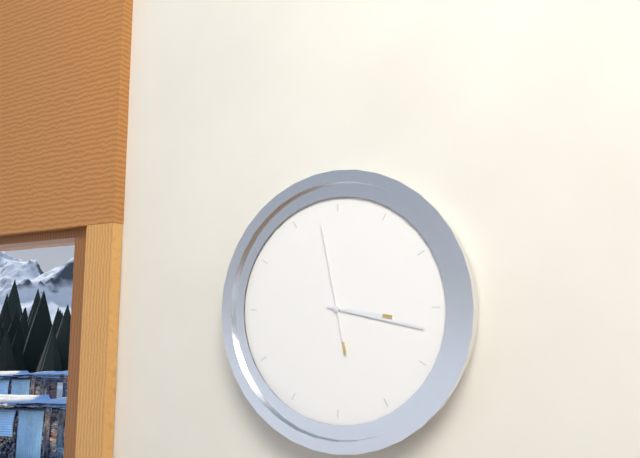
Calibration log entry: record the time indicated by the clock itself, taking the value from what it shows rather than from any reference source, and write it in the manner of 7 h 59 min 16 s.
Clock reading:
3 h 17 min 58 s
